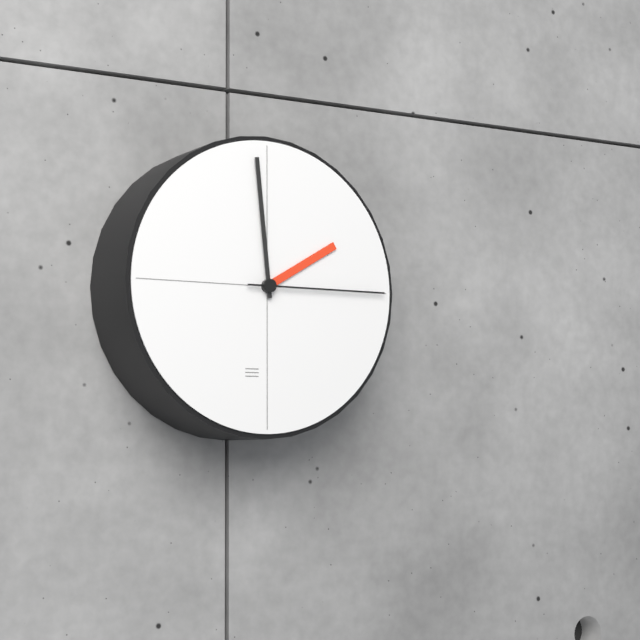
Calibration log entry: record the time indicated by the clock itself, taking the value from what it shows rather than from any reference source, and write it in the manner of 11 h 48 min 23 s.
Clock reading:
1 h 59 min 15 s
